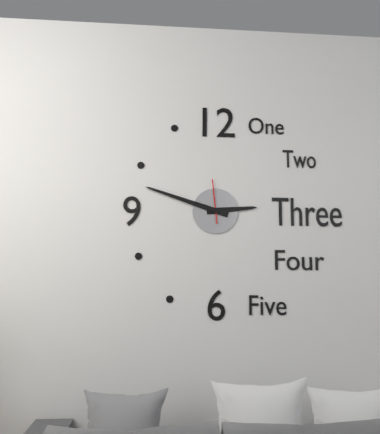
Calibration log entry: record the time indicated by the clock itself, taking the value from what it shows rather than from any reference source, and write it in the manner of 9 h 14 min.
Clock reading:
2 h 48 min
